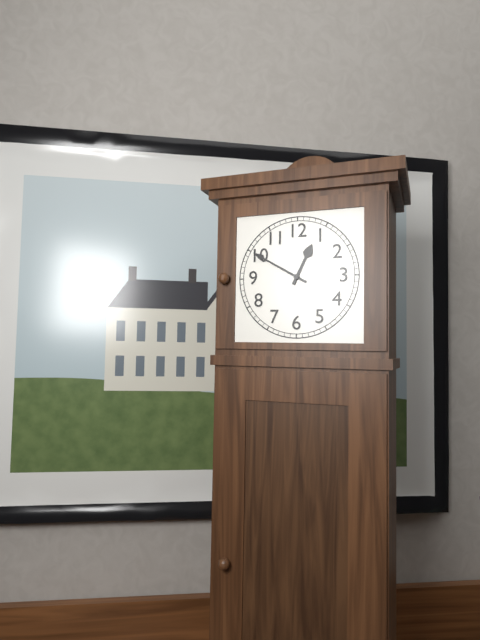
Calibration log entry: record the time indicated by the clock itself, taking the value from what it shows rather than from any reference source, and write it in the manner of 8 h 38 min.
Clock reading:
12 h 50 min
